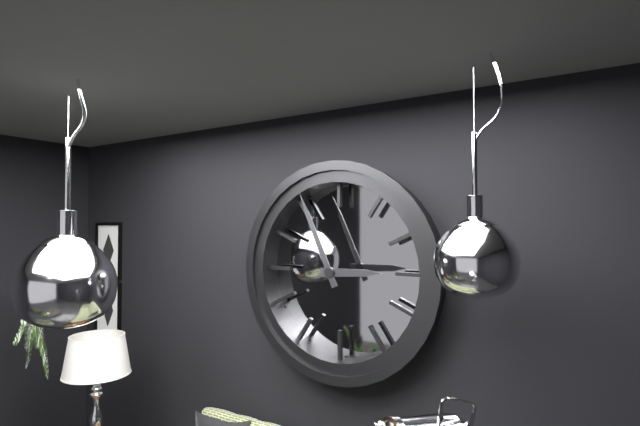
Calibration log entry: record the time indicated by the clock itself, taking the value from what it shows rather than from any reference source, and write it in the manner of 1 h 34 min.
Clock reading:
2 h 56 min
